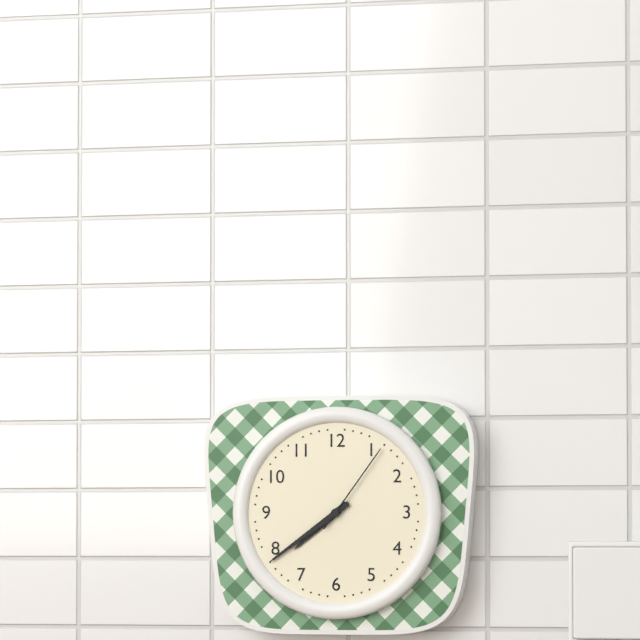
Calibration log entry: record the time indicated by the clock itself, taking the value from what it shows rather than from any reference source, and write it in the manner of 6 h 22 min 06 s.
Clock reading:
7 h 39 min 06 s
